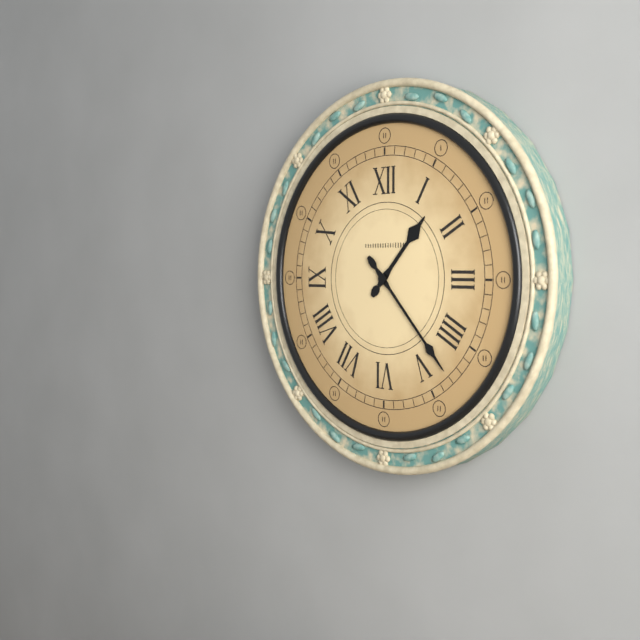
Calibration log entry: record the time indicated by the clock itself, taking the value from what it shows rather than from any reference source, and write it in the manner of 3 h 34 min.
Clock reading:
1 h 23 min
